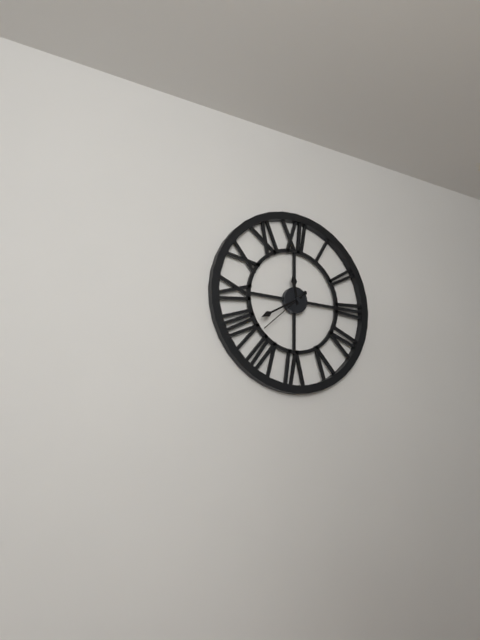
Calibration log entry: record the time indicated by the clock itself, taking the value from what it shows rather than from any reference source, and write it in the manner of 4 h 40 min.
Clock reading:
11 h 40 min
